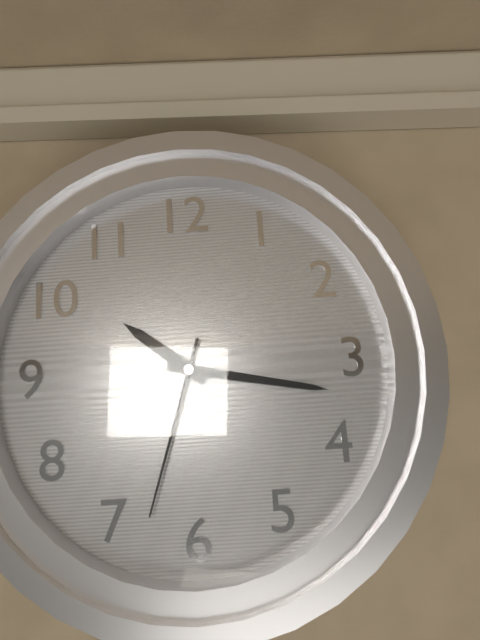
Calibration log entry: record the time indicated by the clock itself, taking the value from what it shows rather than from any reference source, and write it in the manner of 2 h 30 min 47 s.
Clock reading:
10 h 17 min 33 s
